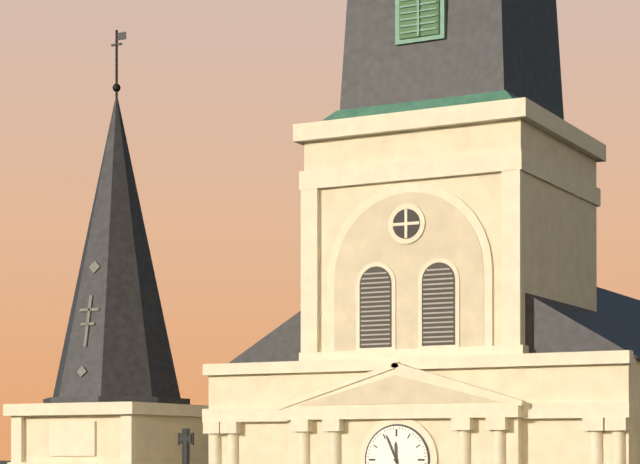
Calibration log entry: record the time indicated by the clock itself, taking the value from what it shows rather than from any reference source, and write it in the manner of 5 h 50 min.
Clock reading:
11 h 56 min
